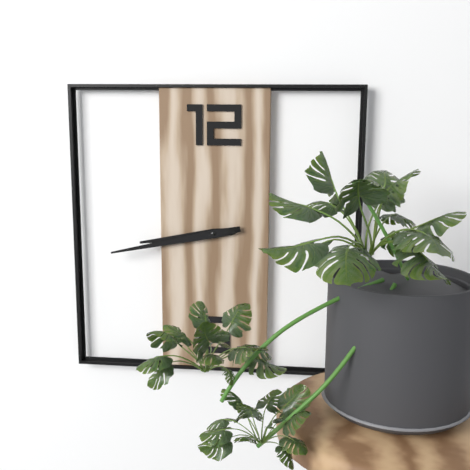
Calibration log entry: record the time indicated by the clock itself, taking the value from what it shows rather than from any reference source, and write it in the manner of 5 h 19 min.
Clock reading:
8 h 43 min
